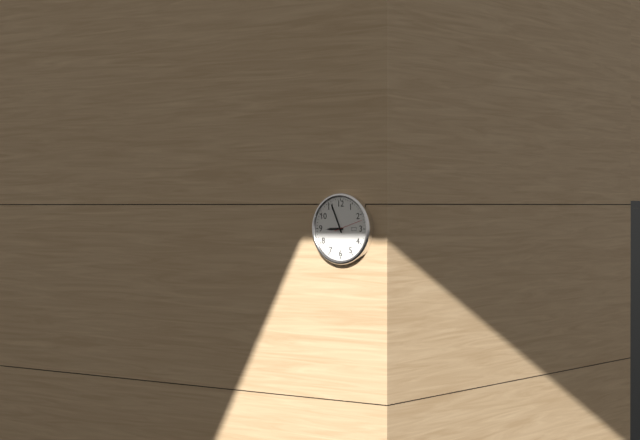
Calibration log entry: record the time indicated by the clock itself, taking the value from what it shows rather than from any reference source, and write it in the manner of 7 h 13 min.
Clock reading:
8 h 56 min
